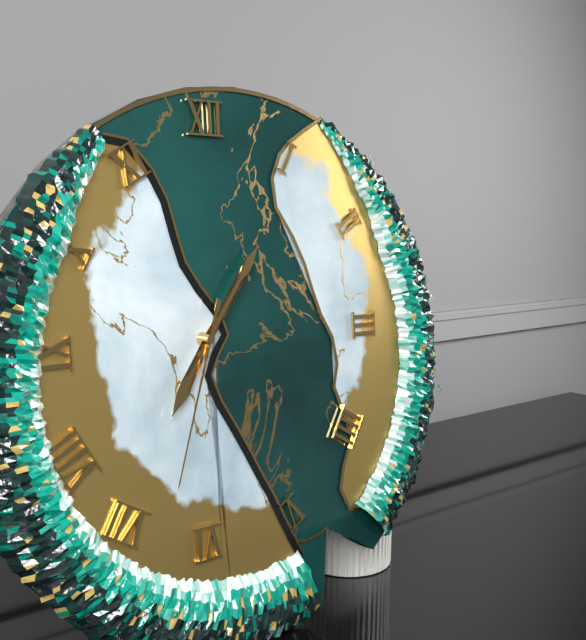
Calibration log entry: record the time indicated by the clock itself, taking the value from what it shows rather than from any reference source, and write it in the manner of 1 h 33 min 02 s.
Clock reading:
7 h 06 min 33 s
